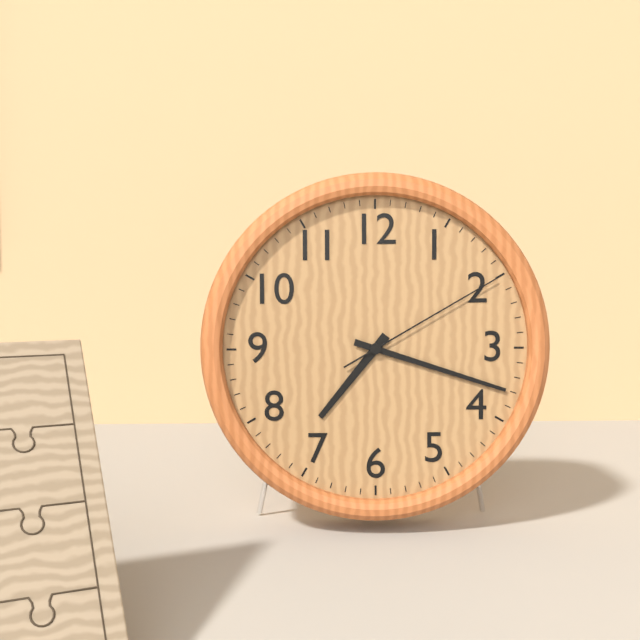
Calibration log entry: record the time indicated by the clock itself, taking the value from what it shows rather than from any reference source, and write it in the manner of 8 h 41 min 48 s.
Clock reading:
7 h 18 min 10 s
